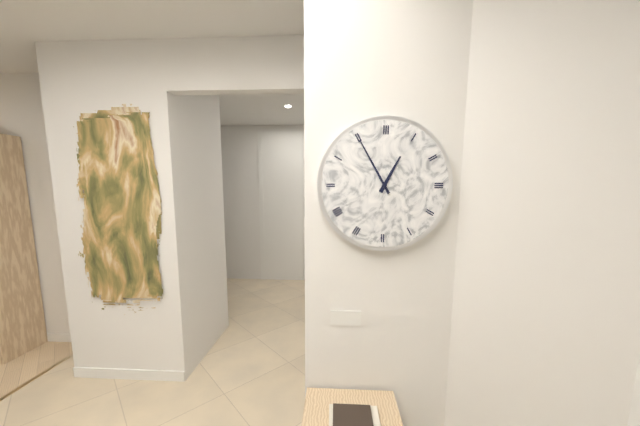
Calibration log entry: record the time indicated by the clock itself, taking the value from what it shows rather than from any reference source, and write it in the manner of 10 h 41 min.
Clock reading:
12 h 55 min
